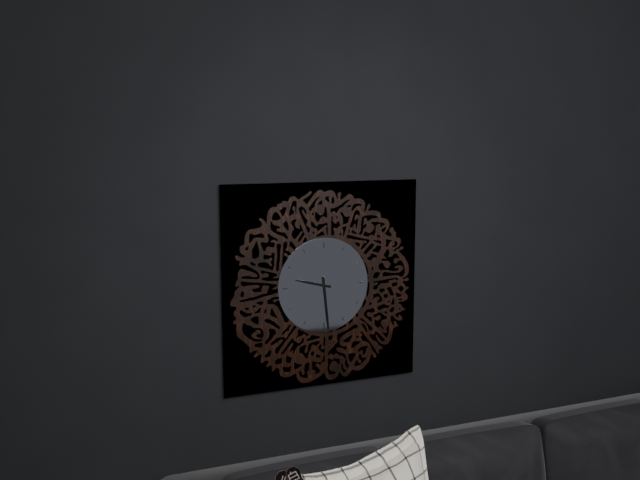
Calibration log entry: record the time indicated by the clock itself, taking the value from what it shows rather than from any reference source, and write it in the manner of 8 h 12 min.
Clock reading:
9 h 29 min
